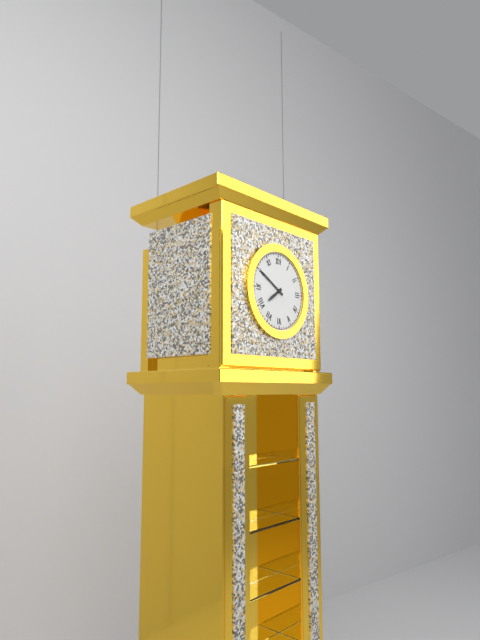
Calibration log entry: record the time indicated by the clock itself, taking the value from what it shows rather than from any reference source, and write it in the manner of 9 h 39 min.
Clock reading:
7 h 50 min
